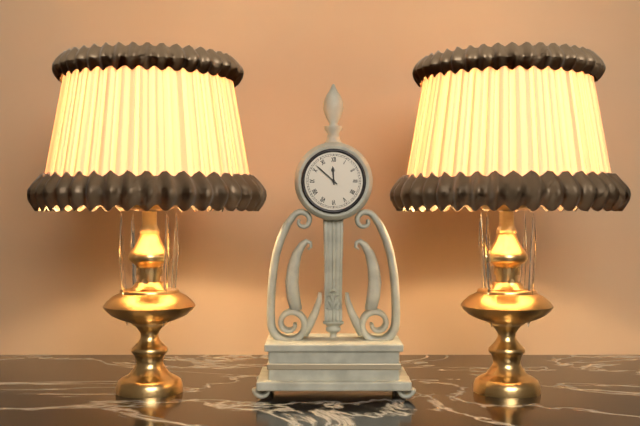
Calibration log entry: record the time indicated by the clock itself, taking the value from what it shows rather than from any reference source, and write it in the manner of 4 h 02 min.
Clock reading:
11 h 52 min
